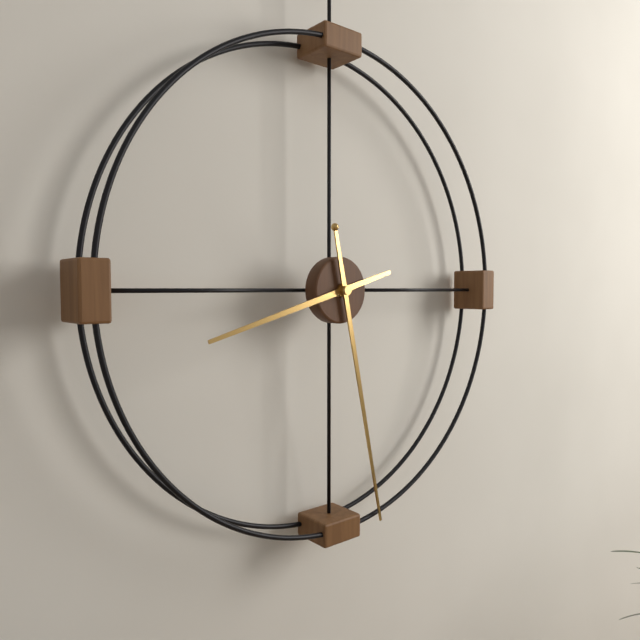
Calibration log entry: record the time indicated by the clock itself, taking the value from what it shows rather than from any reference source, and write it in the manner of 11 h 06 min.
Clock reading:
8 h 28 min
